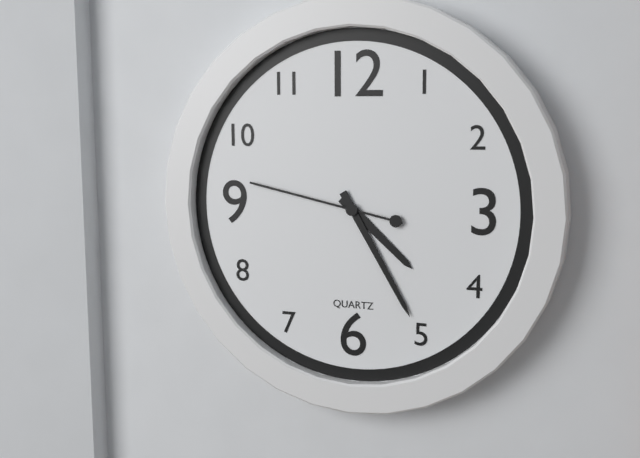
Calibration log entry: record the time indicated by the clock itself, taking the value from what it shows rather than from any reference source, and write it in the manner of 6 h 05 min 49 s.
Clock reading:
4 h 25 min 47 s
